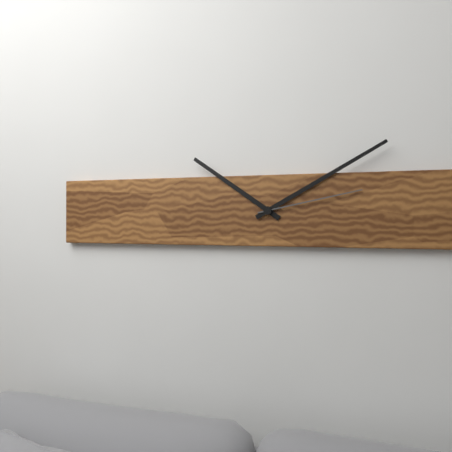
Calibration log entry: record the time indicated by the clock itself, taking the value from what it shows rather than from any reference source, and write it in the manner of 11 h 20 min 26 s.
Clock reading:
10 h 10 min 13 s
